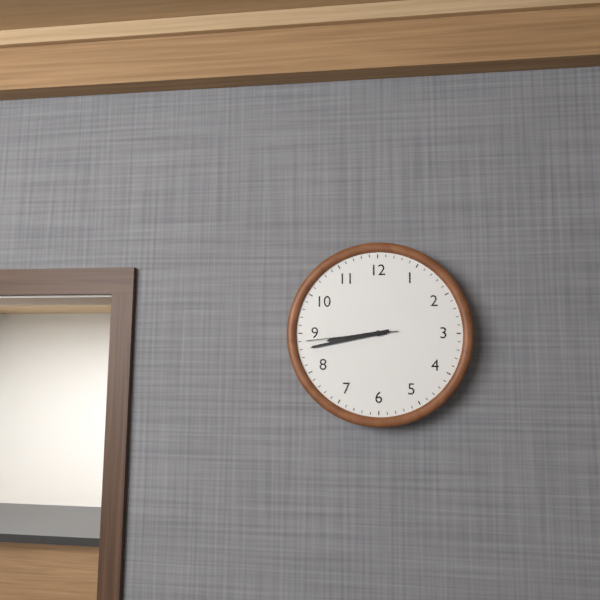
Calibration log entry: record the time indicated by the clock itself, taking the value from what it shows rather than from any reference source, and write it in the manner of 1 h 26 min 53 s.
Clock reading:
8 h 43 min 44 s
